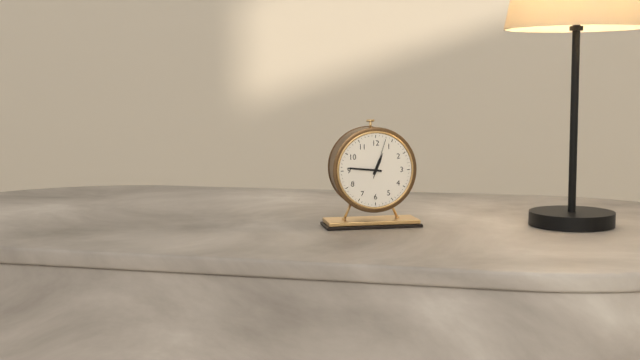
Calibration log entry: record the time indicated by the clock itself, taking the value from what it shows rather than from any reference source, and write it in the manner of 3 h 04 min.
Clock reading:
12 h 46 min
